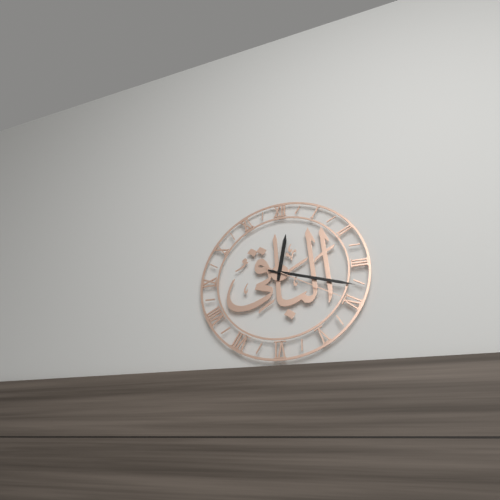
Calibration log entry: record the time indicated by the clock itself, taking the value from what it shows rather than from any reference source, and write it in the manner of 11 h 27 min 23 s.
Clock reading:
12 h 18 min 20 s
